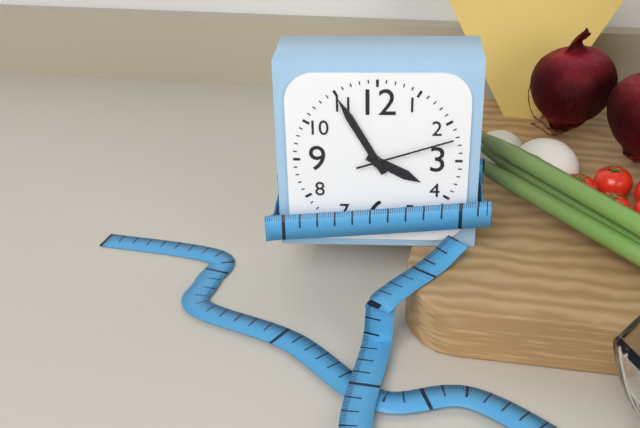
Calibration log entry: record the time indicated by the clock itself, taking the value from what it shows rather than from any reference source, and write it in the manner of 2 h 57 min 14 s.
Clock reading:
3 h 55 min 12 s
